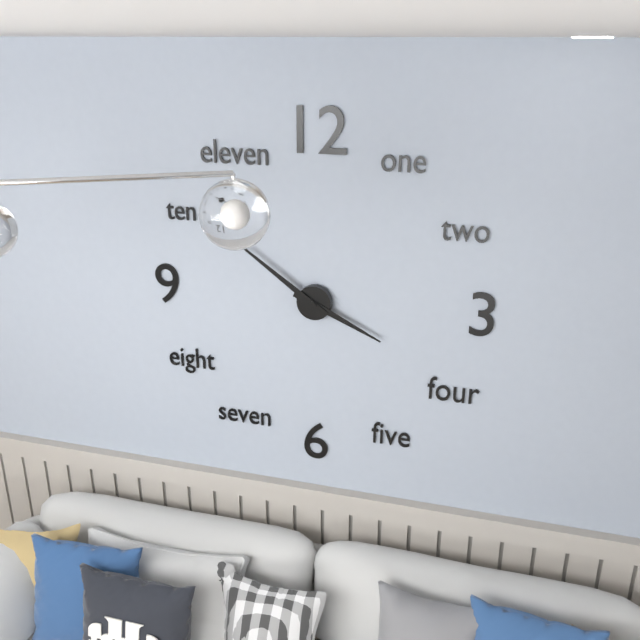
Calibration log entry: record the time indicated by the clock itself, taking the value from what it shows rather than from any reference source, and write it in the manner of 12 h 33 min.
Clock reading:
3 h 51 min
